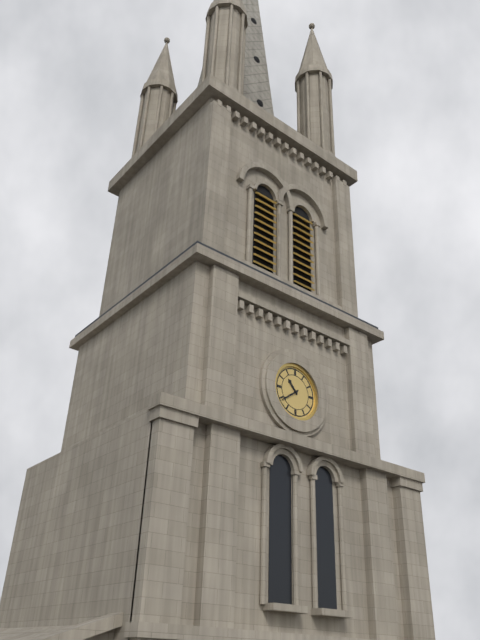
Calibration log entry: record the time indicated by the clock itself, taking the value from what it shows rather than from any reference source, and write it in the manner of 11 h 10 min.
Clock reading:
10 h 39 min
